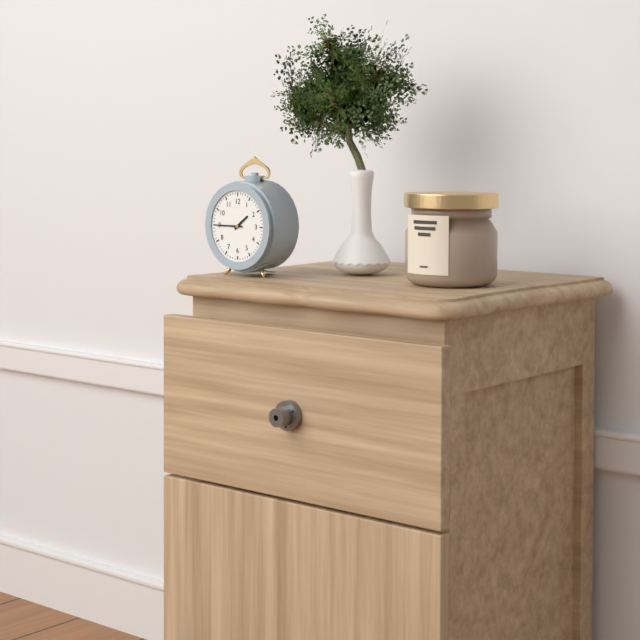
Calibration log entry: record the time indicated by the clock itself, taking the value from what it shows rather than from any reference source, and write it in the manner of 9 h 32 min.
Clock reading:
1 h 45 min
